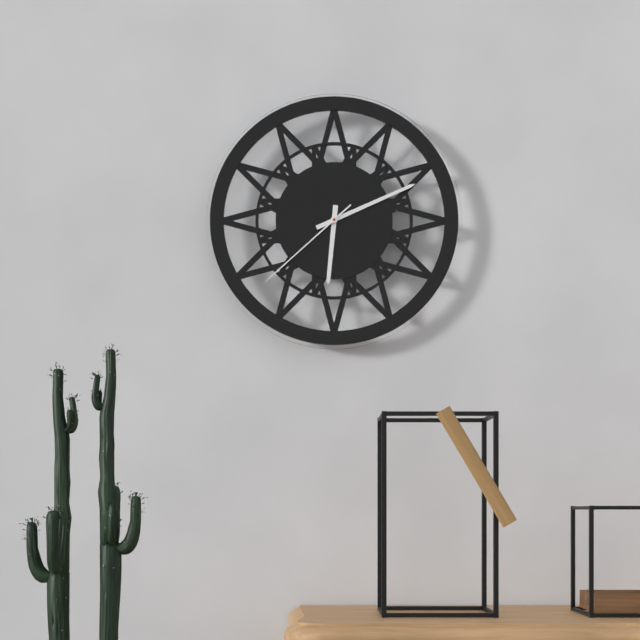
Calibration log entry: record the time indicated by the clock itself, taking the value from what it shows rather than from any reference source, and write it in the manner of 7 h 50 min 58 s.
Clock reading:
6 h 11 min 38 s
